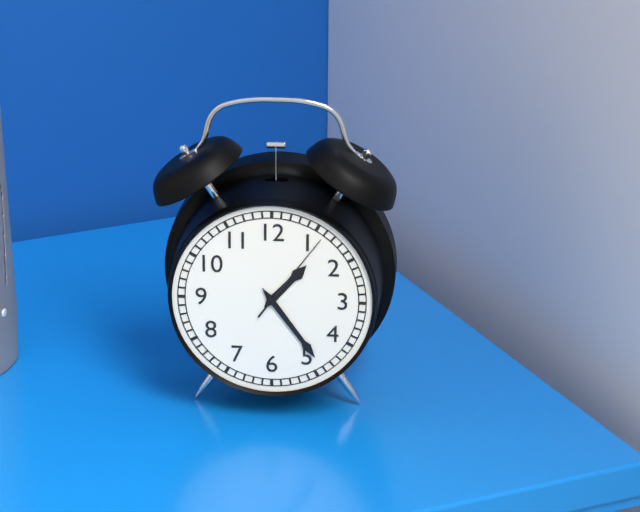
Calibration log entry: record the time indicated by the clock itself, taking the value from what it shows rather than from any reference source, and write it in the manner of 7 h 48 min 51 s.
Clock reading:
1 h 24 min 06 s
